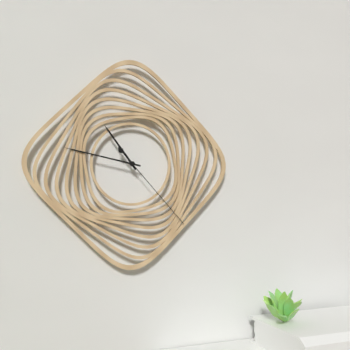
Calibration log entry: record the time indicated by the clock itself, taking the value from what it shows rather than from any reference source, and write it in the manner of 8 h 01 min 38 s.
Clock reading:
10 h 47 min 23 s
